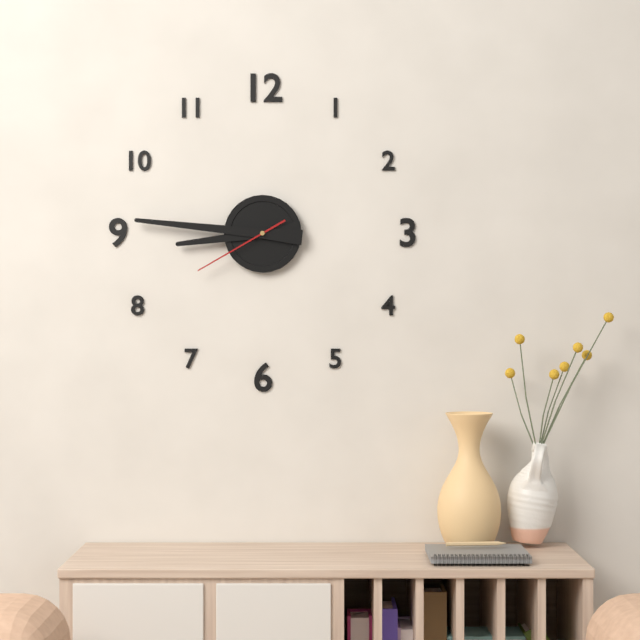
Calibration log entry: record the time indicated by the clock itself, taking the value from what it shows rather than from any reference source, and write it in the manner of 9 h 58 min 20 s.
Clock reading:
8 h 46 min 40 s
